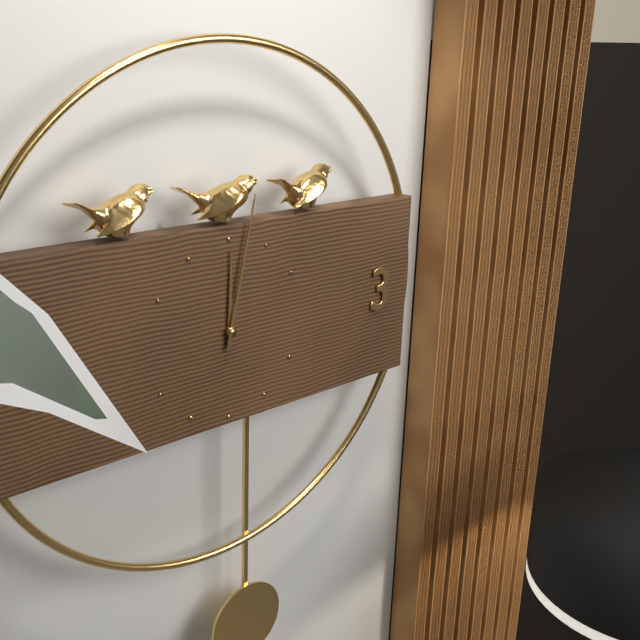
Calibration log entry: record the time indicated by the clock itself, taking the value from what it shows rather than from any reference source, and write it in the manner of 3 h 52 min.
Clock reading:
12 h 02 min
